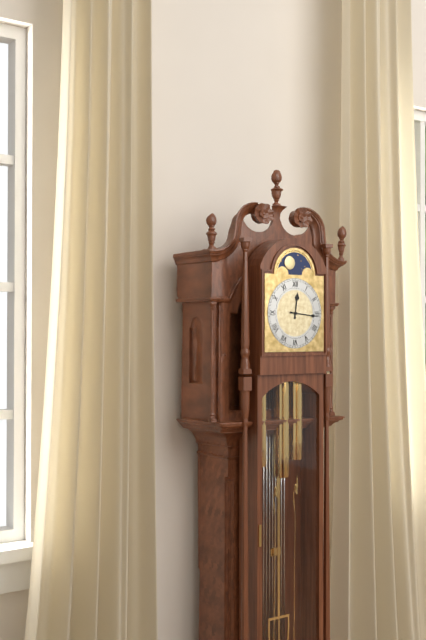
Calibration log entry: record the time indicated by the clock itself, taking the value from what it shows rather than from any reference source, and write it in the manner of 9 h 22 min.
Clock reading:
12 h 16 min
